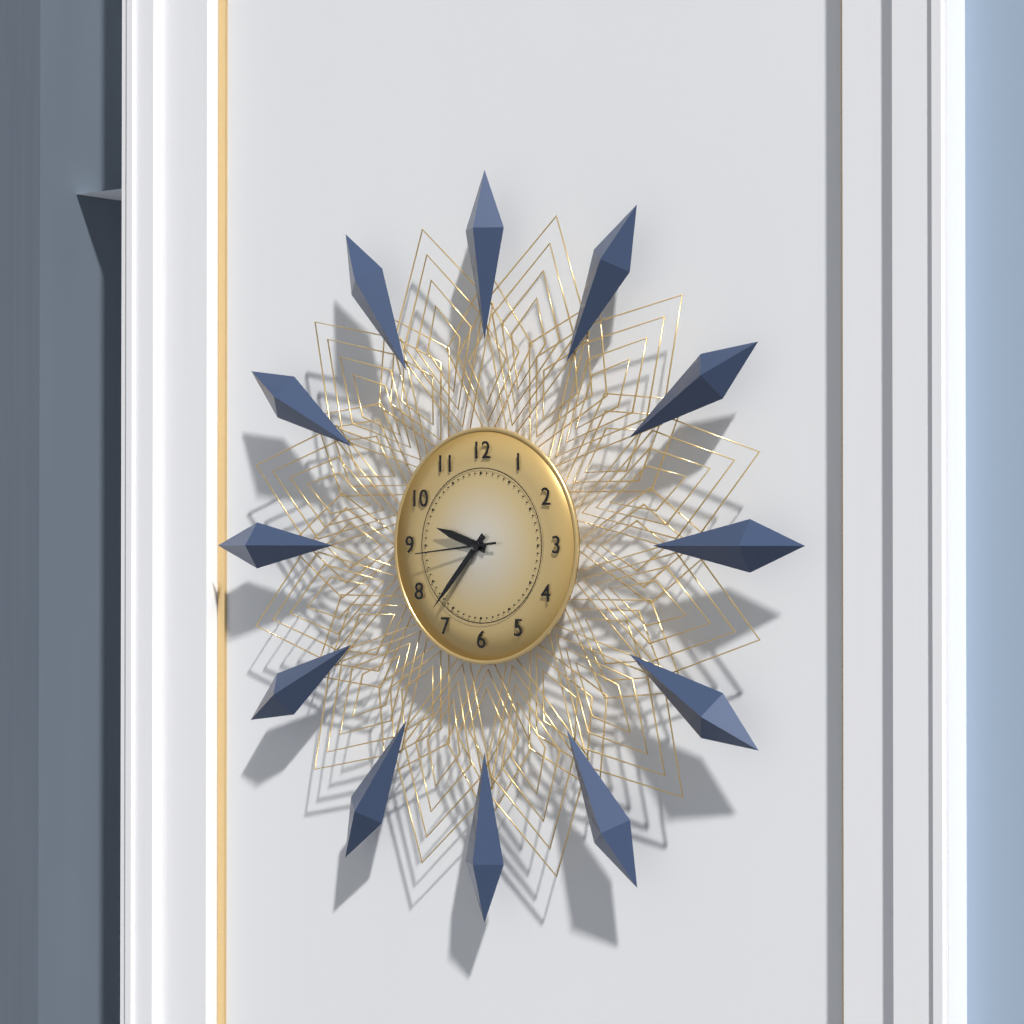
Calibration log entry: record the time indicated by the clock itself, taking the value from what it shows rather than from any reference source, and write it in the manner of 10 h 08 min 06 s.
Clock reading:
9 h 37 min 44 s
